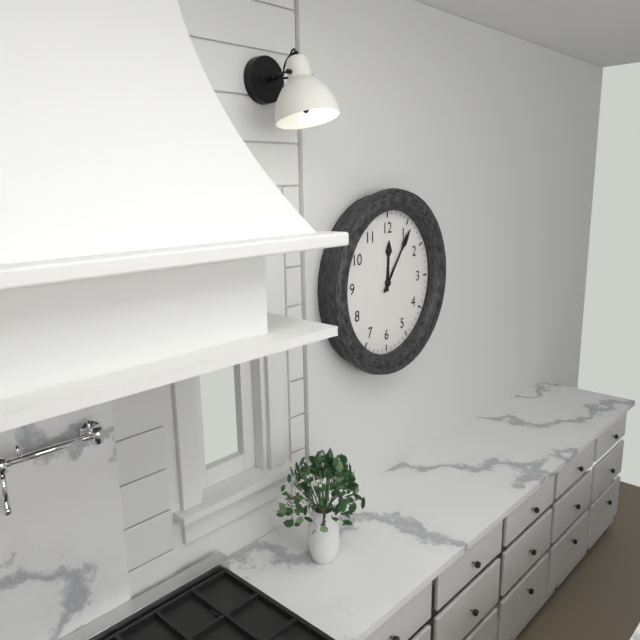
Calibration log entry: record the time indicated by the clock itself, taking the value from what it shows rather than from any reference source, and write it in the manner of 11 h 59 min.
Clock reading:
12 h 06 min
